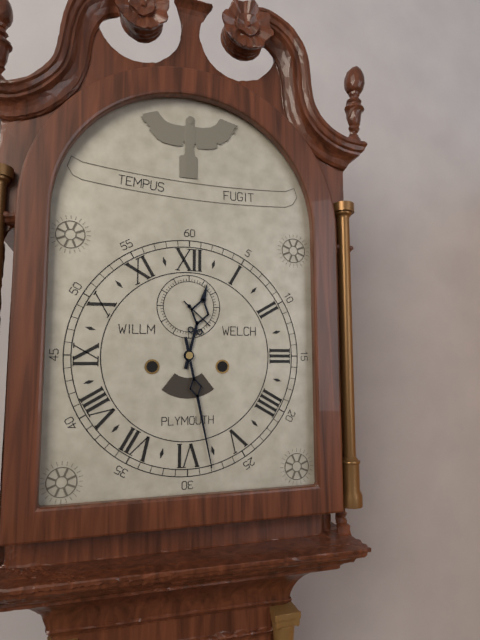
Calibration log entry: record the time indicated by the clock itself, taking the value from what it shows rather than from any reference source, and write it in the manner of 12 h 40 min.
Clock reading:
12 h 28 min
